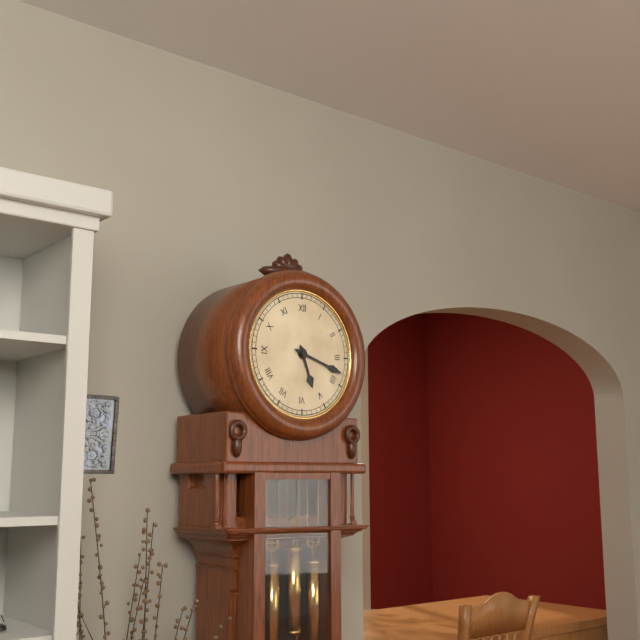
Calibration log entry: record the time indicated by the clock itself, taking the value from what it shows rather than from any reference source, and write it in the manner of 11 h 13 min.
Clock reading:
5 h 18 min
